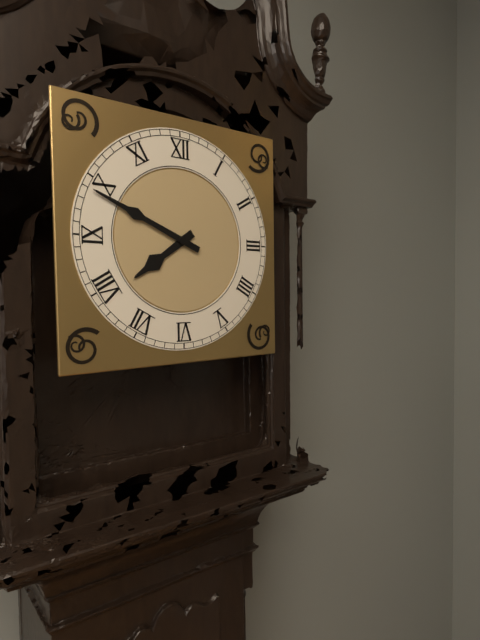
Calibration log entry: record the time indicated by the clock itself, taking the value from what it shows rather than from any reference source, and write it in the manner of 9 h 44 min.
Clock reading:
7 h 49 min
